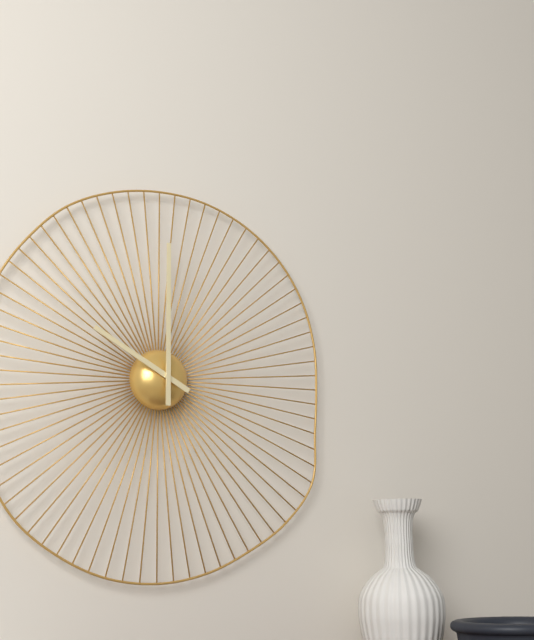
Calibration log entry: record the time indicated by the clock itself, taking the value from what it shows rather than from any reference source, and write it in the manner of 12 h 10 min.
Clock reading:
10 h 00 min
